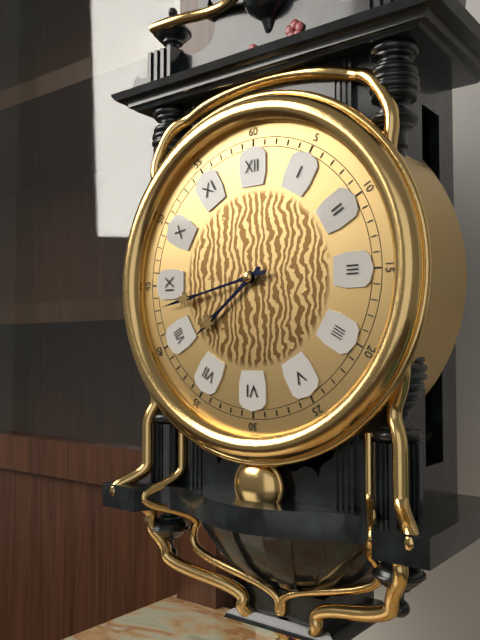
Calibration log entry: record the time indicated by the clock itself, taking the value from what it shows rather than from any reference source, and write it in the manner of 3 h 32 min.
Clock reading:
7 h 43 min
